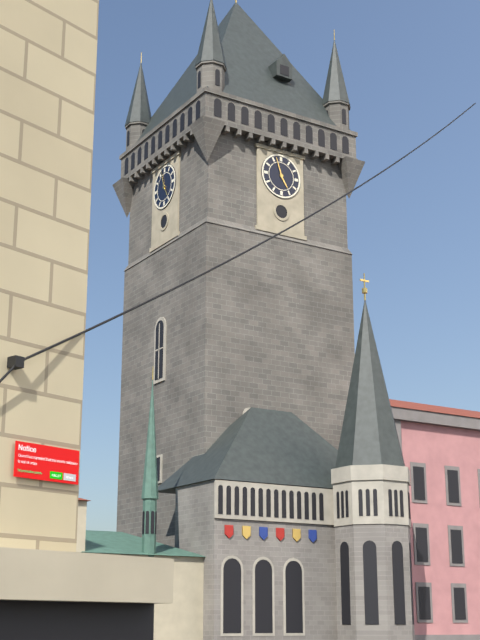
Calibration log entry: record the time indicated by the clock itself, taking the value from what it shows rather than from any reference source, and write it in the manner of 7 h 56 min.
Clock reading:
4 h 57 min
